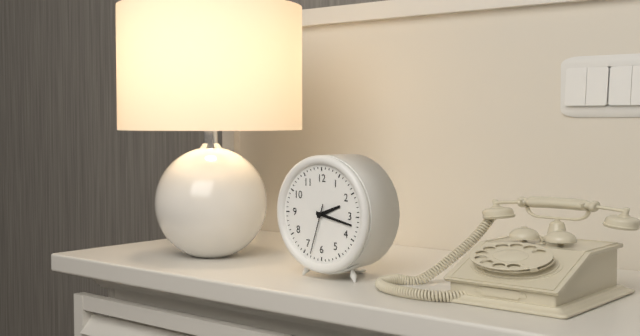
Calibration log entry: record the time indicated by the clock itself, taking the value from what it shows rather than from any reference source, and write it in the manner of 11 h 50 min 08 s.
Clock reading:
2 h 17 min 33 s
